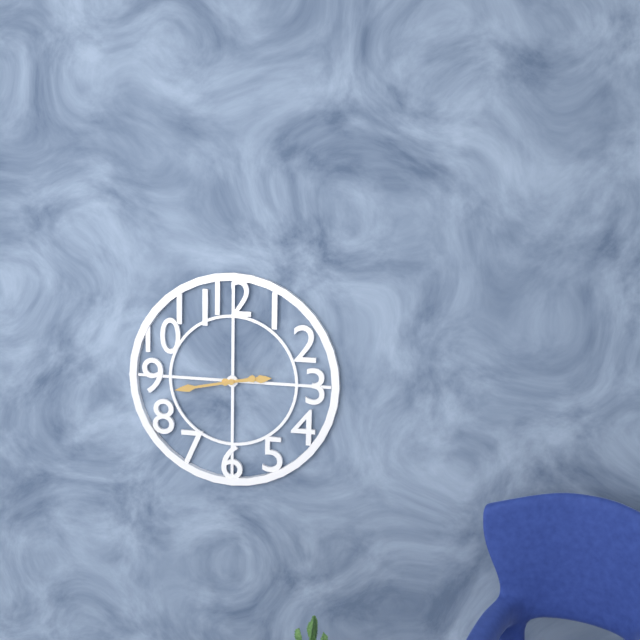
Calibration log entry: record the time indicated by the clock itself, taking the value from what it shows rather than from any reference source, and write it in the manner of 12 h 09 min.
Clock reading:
2 h 43 min
